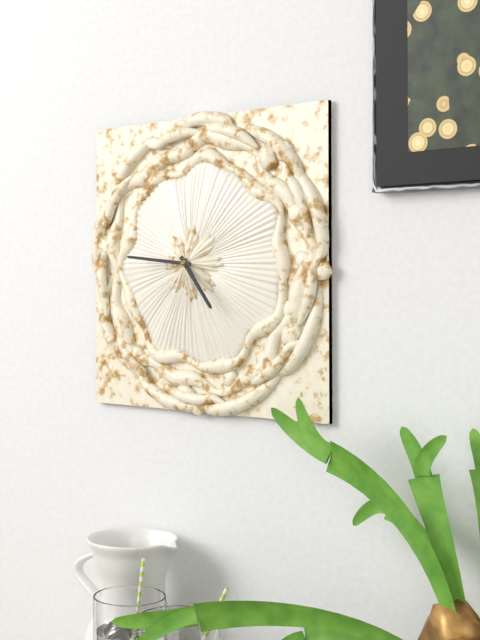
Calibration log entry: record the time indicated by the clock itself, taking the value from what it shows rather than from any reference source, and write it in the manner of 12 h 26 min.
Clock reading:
4 h 46 min
